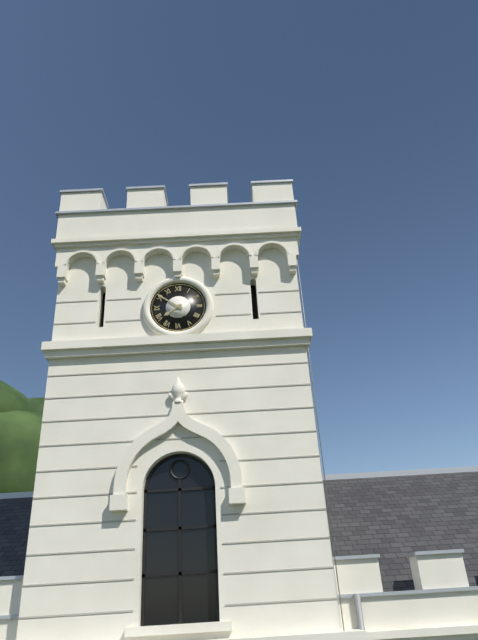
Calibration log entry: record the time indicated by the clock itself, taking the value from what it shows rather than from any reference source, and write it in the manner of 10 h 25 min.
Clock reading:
7 h 51 min
